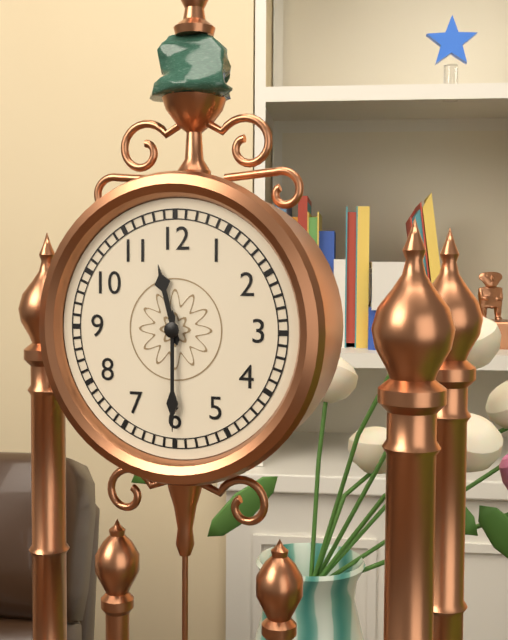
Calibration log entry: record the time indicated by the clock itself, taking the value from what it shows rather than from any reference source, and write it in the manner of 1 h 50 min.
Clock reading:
11 h 30 min
